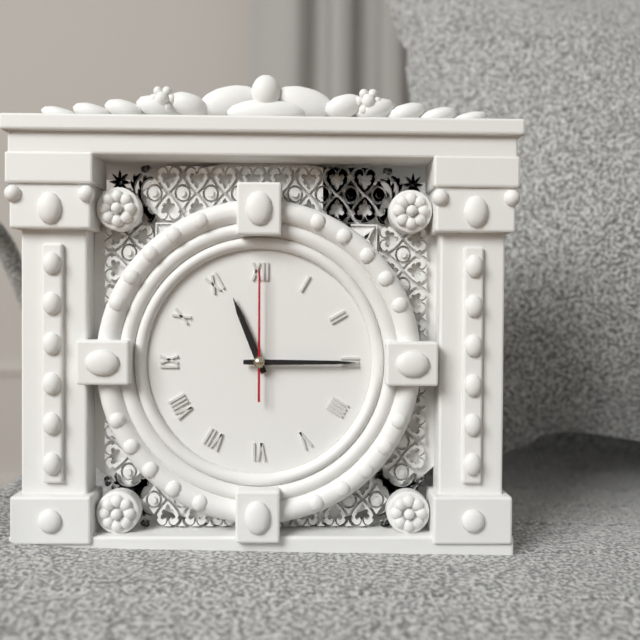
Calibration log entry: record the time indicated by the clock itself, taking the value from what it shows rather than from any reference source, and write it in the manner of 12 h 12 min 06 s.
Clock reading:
11 h 15 min 00 s
